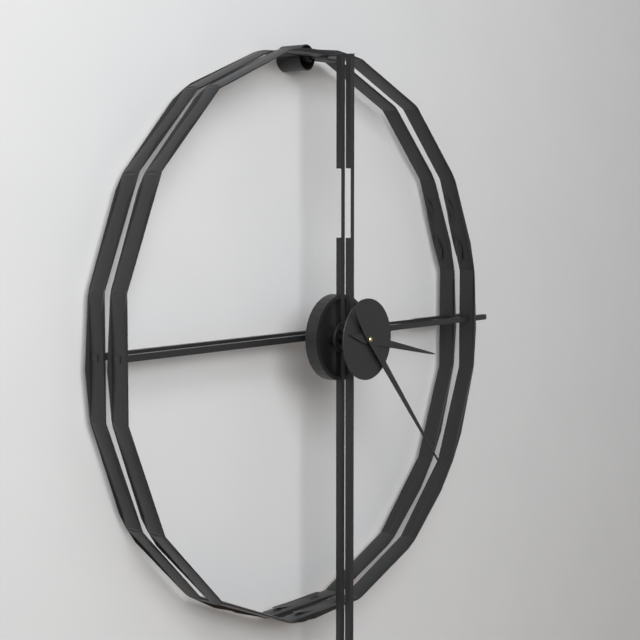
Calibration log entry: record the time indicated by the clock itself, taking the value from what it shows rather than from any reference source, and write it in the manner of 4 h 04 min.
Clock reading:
3 h 23 min
